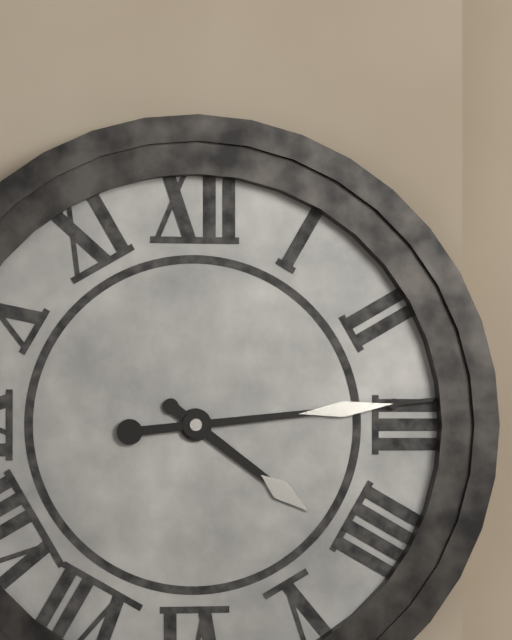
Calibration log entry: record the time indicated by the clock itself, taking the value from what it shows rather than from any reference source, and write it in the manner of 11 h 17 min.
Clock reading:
4 h 14 min
